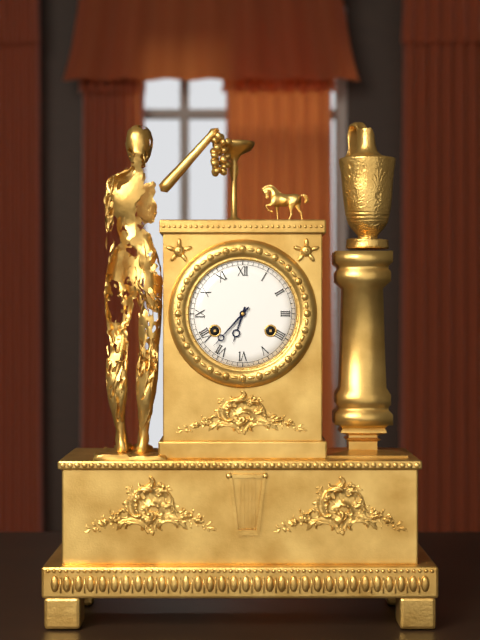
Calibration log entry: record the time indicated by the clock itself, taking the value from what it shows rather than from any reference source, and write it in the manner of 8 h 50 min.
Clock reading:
6 h 37 min
